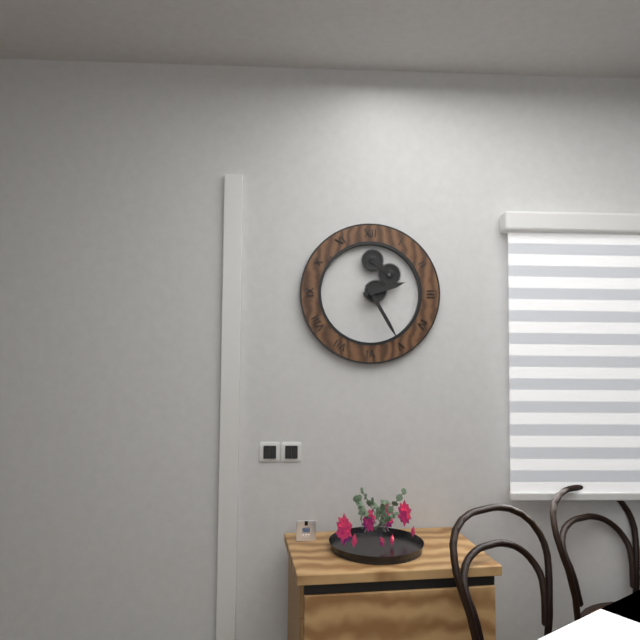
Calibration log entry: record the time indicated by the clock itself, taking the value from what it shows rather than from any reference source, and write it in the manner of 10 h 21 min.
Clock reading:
2 h 25 min
